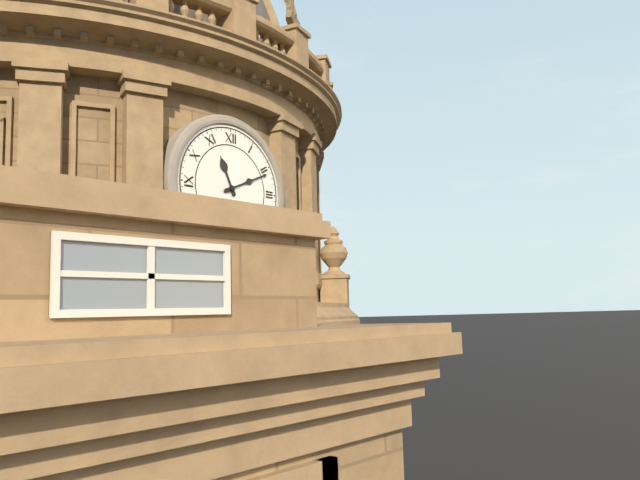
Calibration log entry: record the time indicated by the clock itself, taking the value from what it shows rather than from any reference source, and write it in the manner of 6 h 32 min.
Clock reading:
11 h 11 min
